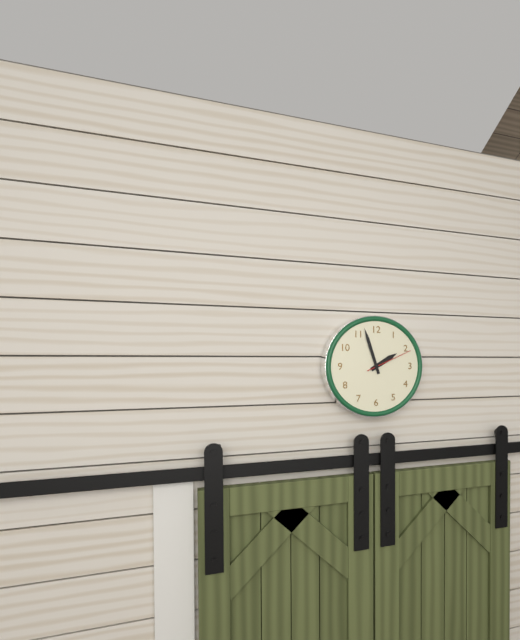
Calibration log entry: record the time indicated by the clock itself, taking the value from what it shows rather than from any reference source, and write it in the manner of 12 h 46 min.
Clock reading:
1 h 57 min
